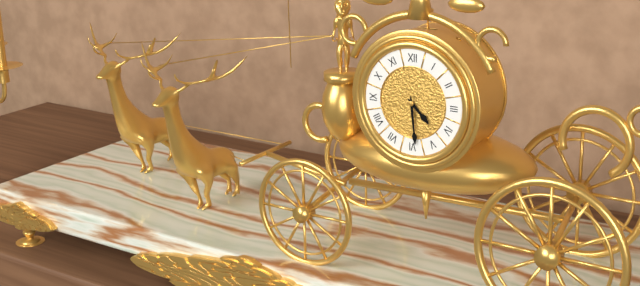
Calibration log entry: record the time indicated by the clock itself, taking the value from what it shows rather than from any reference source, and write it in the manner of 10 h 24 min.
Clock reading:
4 h 29 min
